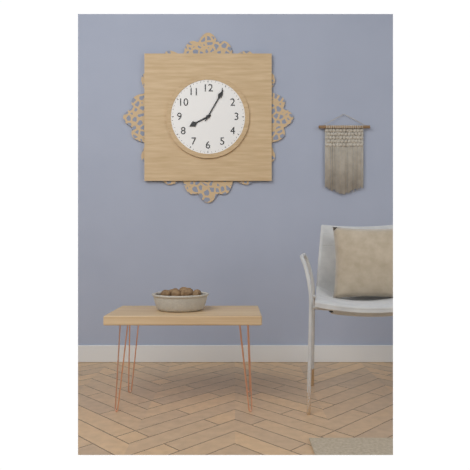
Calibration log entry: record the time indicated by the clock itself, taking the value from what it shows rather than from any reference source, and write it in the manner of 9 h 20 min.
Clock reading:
8 h 05 min
